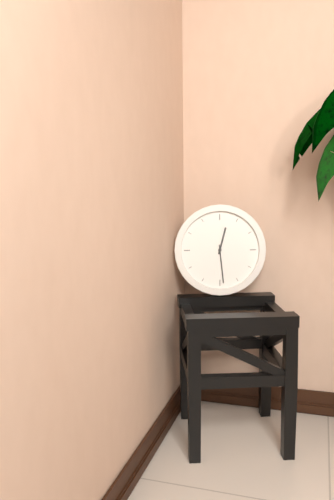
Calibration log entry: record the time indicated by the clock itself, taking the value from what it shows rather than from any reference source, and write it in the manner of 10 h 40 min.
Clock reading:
12 h 29 min
